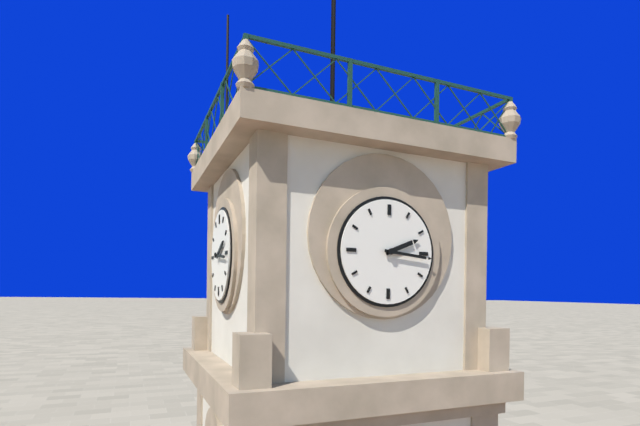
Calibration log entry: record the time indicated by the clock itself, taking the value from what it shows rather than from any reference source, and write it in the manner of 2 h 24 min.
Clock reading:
2 h 16 min
